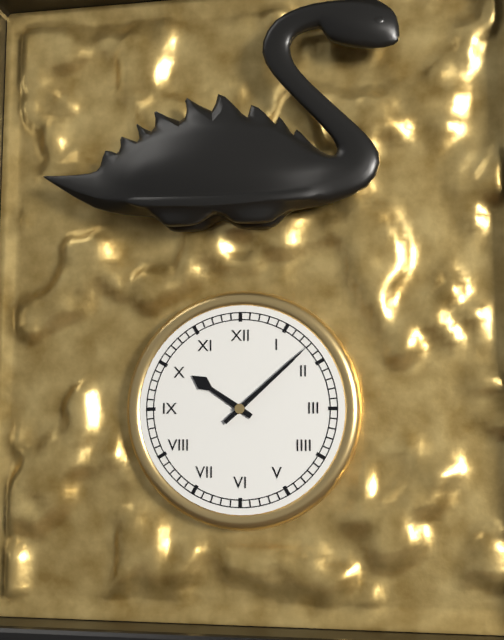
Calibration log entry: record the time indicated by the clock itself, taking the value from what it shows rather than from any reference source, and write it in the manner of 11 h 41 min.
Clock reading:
10 h 08 min
